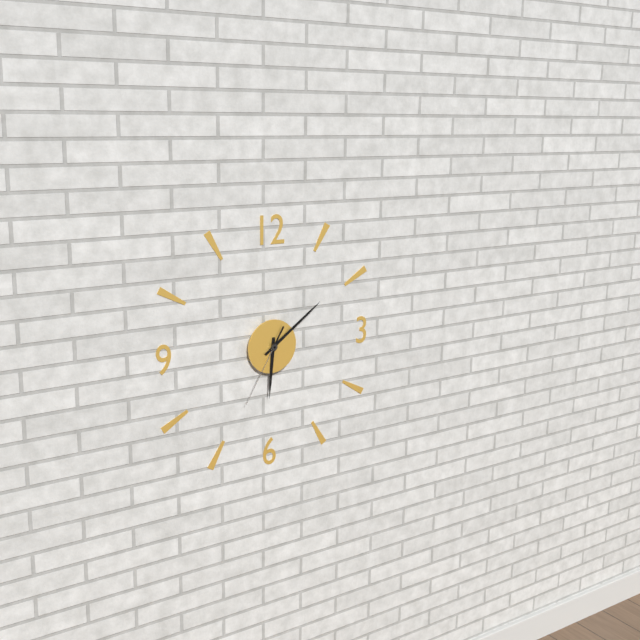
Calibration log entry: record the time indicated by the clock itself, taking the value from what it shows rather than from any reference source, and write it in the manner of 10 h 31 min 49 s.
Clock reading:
6 h 09 min 35 s
